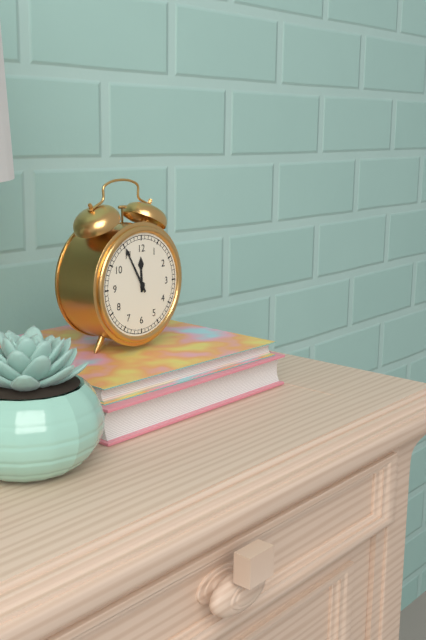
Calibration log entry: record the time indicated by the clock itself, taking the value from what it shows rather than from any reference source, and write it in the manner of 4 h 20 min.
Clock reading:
11 h 55 min
